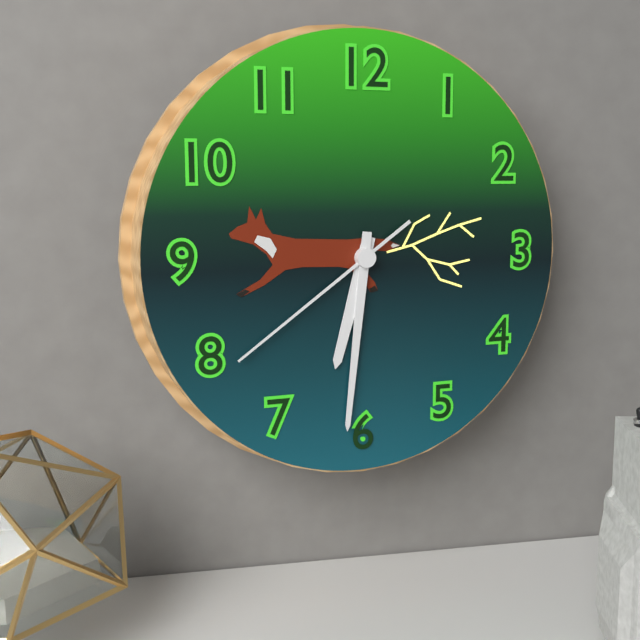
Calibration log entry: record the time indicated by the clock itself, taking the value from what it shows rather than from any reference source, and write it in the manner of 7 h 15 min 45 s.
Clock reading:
6 h 31 min 39 s
